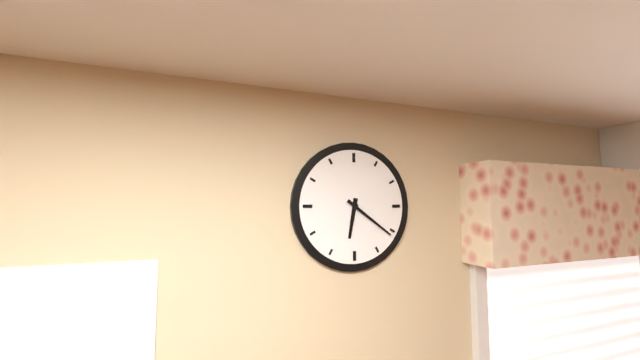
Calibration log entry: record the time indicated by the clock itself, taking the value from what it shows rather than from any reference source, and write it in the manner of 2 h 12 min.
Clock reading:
6 h 21 min
